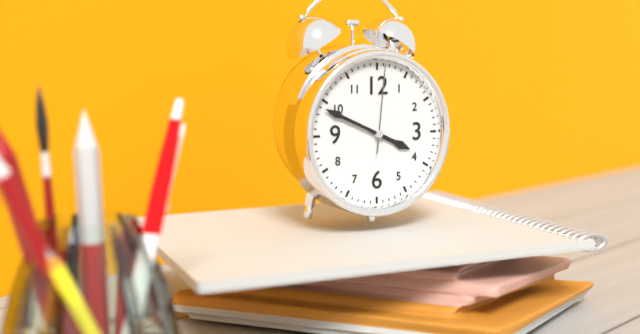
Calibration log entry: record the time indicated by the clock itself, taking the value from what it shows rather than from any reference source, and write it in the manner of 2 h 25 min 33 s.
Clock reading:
3 h 49 min 01 s
